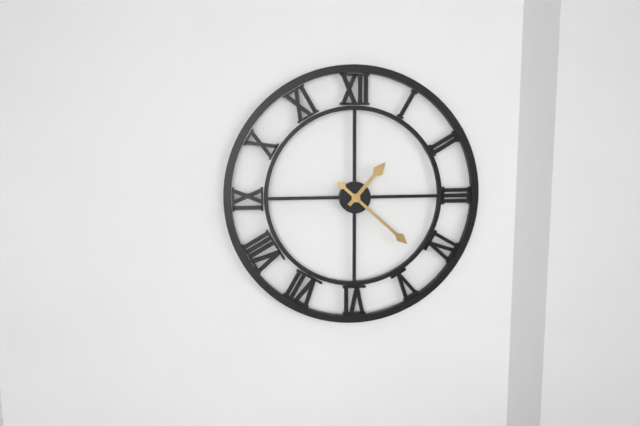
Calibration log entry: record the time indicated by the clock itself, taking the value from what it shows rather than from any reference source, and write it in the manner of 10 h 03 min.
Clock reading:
1 h 22 min
